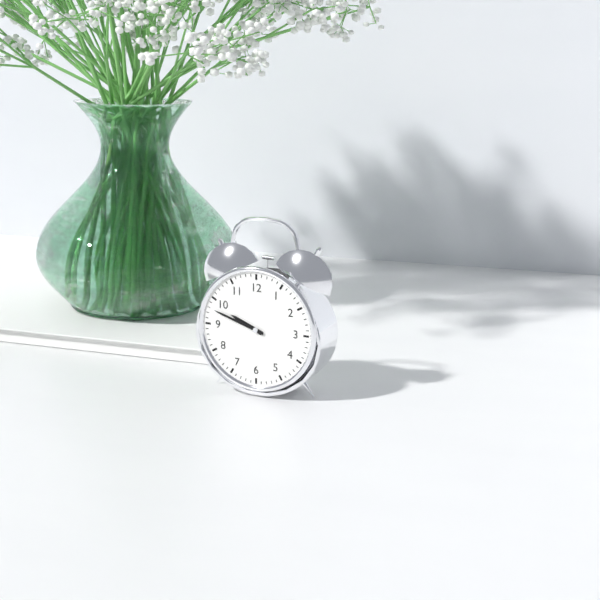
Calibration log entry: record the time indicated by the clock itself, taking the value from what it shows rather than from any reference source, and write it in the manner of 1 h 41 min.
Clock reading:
9 h 48 min
